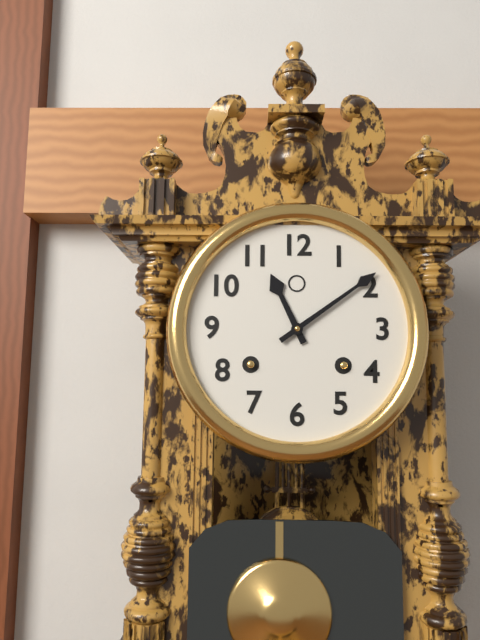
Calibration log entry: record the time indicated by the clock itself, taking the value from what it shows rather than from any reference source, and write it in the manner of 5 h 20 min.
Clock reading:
11 h 09 min
